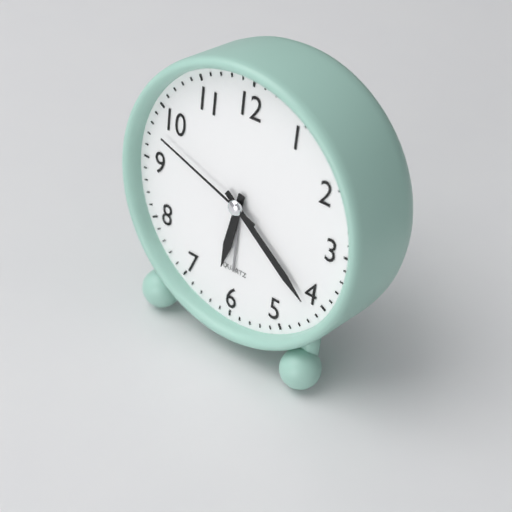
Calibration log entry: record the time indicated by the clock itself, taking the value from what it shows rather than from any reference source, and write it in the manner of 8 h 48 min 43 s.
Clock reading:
6 h 21 min 48 s
